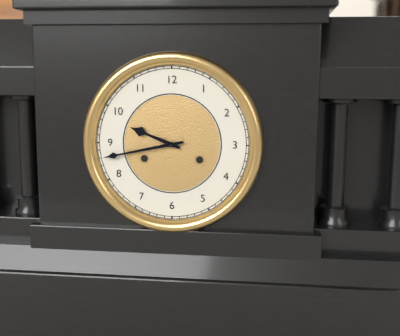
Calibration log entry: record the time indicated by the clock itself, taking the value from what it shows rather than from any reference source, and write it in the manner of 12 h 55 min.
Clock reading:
9 h 43 min
